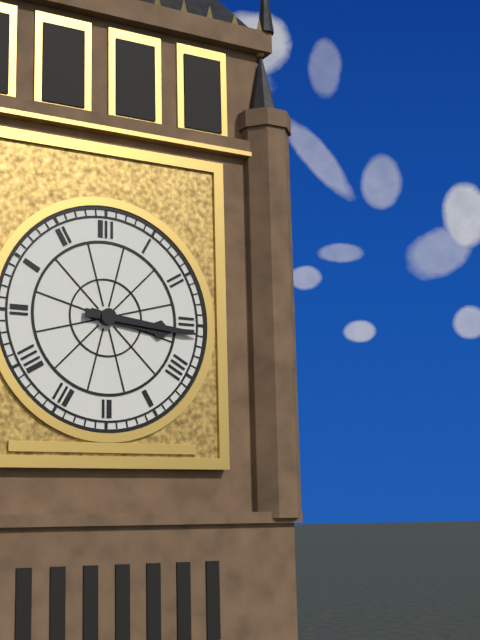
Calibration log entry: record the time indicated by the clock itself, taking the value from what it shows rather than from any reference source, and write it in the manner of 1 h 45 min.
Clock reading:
3 h 16 min
